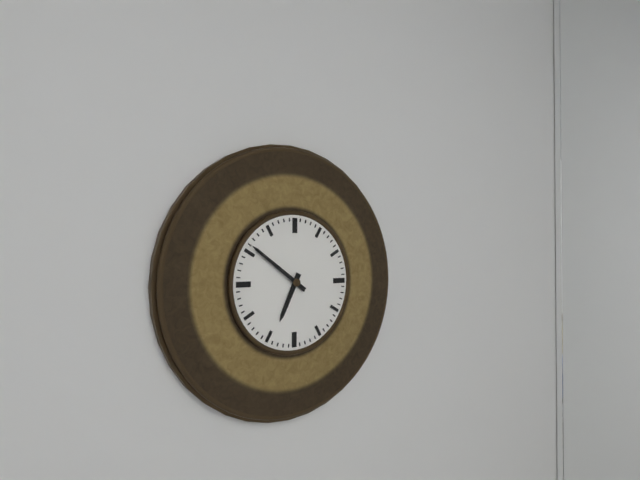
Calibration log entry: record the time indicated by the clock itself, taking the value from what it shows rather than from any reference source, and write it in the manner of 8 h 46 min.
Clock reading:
6 h 51 min
